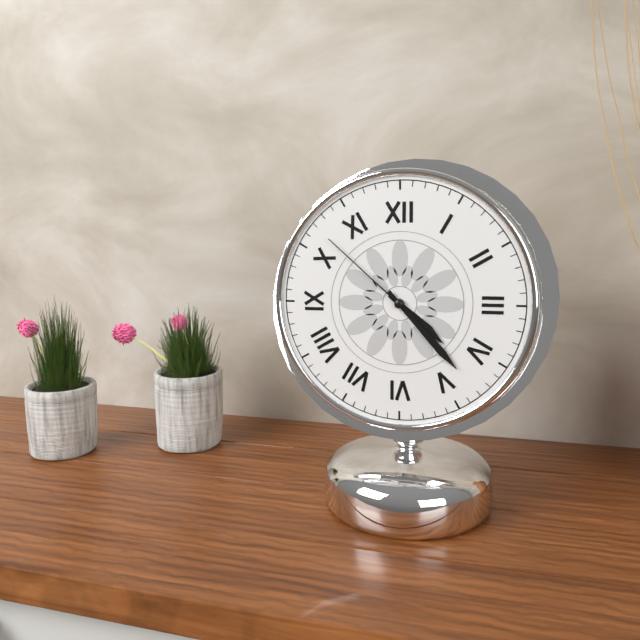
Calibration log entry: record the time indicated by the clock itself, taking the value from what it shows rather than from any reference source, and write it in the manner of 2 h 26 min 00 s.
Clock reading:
4 h 23 min 52 s
